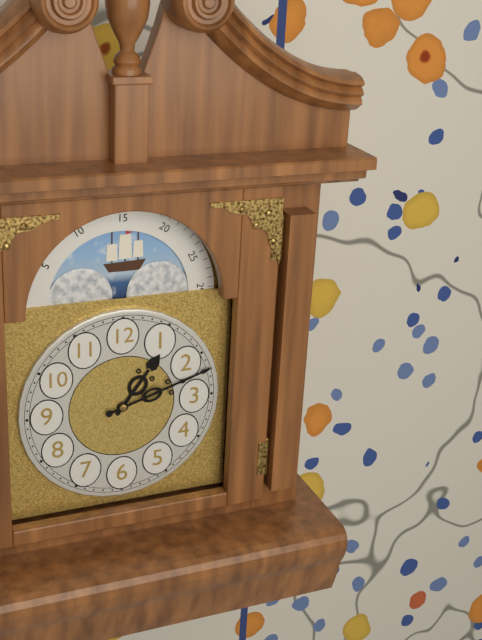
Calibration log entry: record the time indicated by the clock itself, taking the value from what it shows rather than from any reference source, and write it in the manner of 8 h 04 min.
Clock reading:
1 h 12 min
